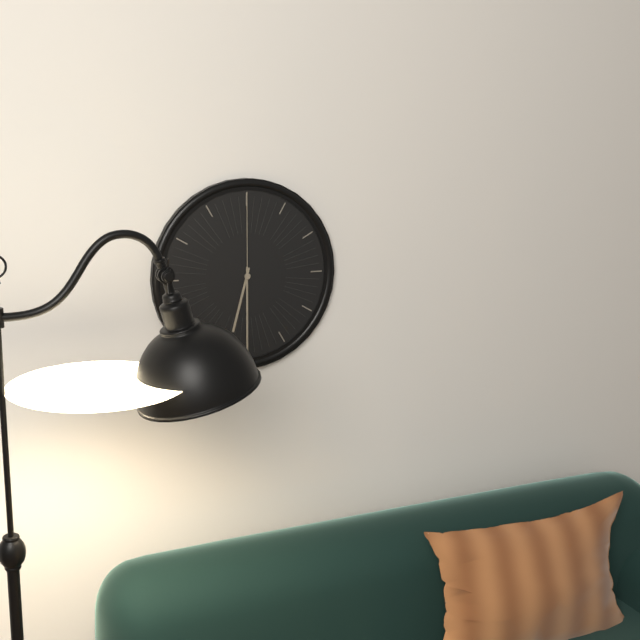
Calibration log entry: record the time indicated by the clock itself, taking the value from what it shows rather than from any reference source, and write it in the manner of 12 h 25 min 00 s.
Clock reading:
6 h 30 min 00 s
